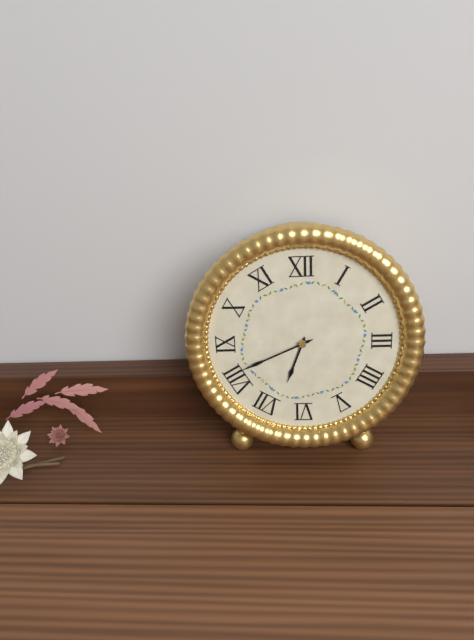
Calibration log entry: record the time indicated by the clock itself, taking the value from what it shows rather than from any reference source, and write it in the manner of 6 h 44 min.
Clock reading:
6 h 41 min
